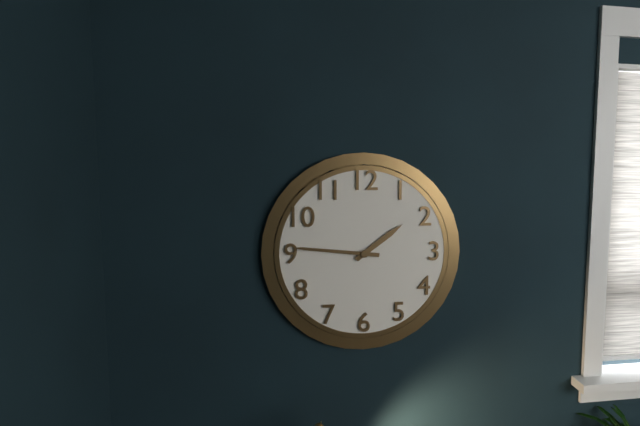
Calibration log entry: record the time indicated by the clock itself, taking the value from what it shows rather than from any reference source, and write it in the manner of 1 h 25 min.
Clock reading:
1 h 46 min
